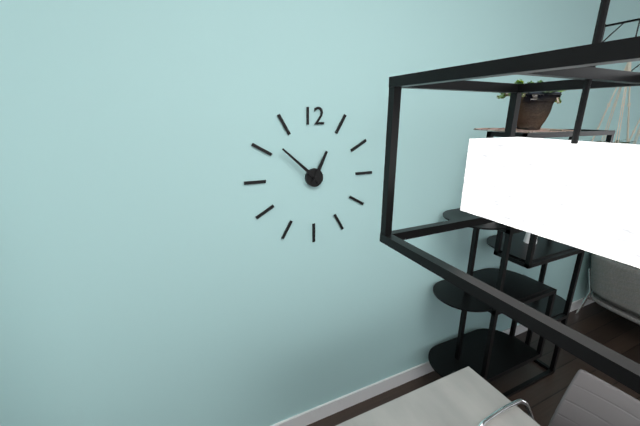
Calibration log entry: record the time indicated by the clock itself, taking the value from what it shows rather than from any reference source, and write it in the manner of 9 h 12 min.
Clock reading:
12 h 52 min
